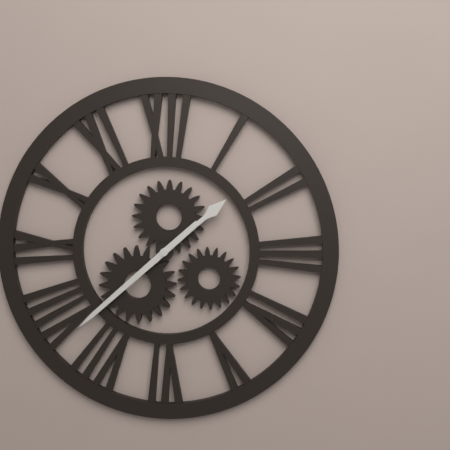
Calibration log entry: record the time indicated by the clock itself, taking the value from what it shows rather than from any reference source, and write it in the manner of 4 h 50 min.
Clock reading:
1 h 38 min
